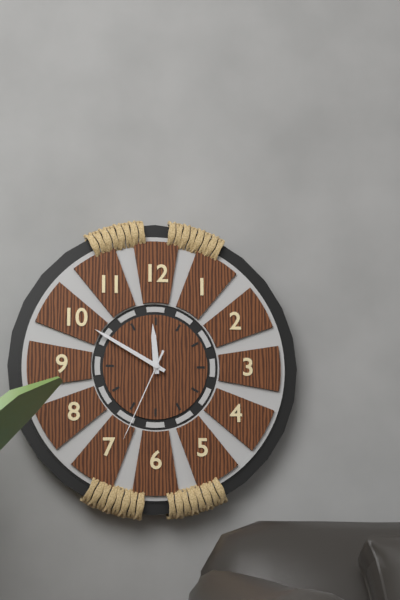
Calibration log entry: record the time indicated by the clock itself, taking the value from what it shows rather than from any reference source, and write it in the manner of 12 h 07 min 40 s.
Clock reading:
11 h 50 min 34 s
